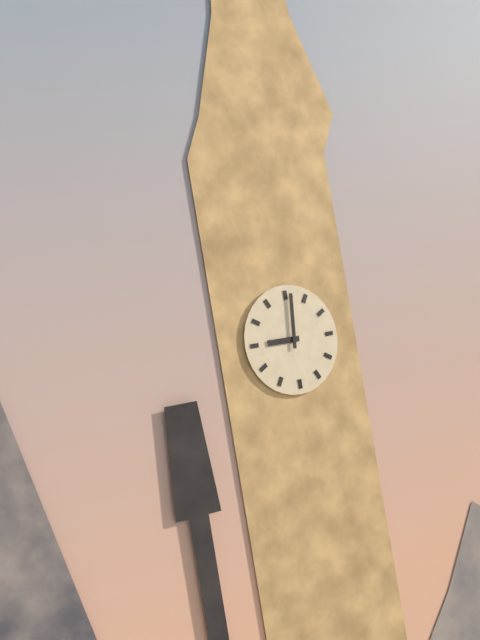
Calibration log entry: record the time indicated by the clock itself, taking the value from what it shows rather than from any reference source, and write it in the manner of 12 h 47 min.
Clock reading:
9 h 01 min
